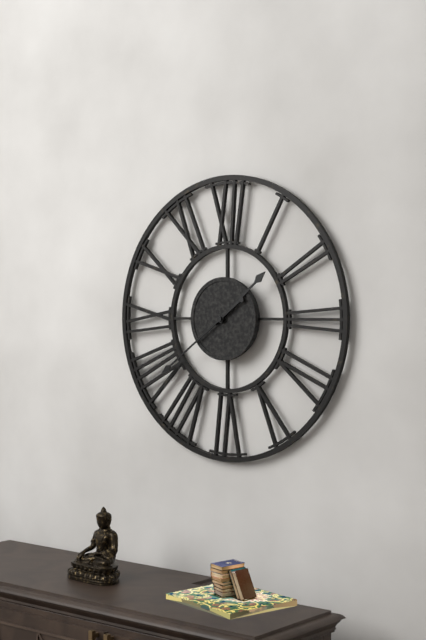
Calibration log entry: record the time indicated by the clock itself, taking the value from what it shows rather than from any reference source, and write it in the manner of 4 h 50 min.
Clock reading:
1 h 39 min
